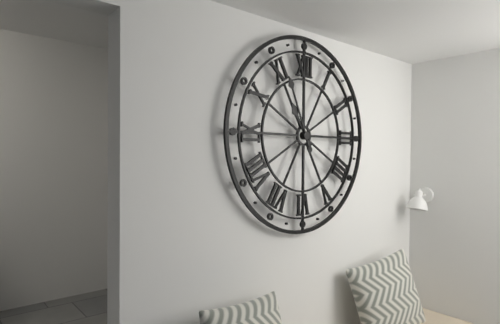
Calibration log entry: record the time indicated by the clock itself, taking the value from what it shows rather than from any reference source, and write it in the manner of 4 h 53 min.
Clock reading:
10 h 56 min
